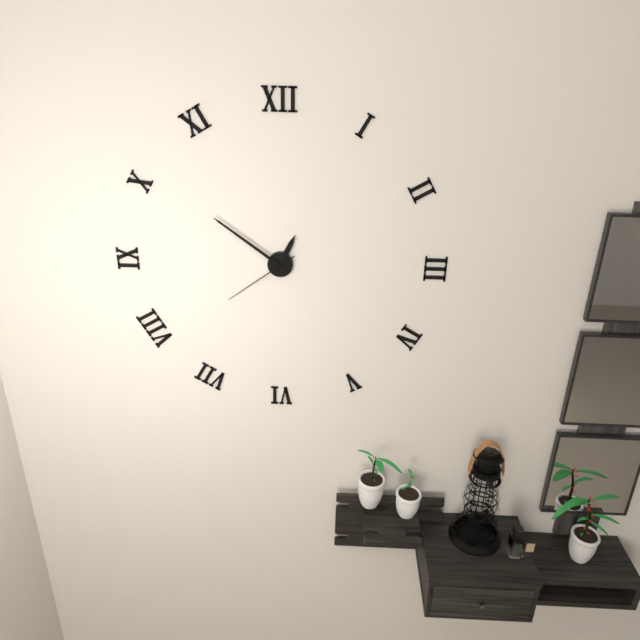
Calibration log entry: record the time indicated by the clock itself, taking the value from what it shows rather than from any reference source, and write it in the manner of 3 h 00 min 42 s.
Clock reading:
12 h 51 min 39 s
